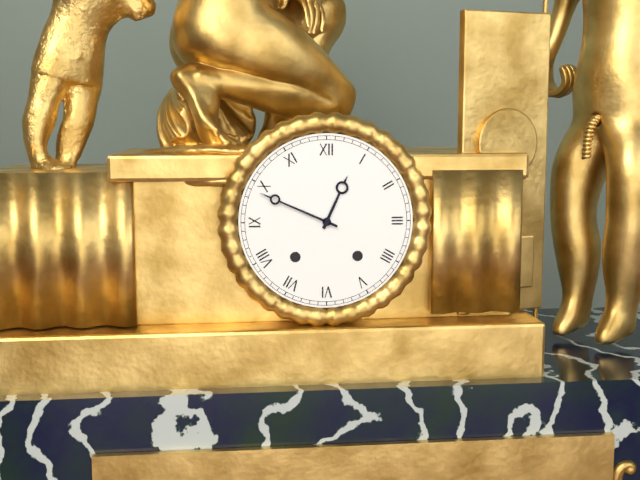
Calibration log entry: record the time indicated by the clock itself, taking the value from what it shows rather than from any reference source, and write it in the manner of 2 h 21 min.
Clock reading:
12 h 49 min
